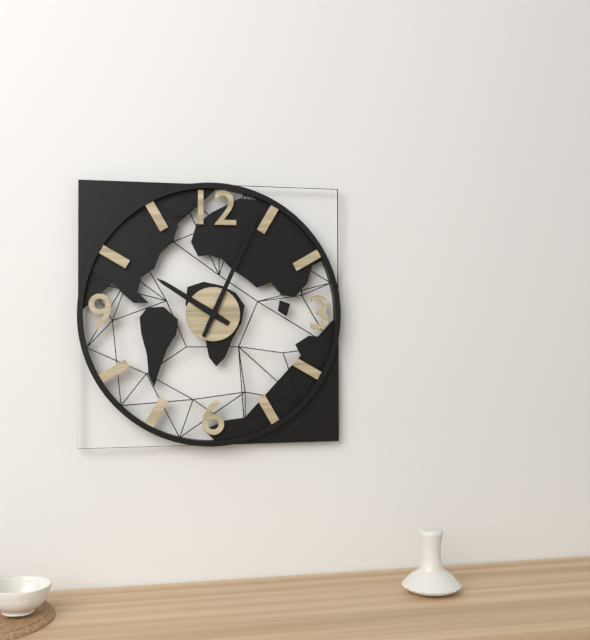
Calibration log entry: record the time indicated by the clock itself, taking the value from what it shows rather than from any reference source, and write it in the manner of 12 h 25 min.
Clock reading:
10 h 04 min
